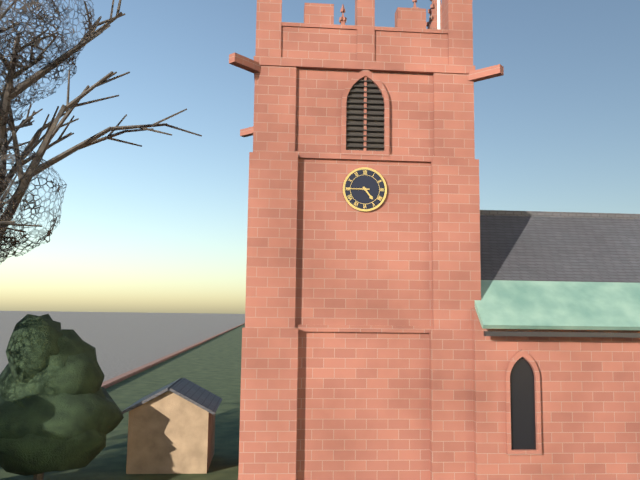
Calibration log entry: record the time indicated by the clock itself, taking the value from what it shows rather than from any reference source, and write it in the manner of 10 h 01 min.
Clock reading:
4 h 45 min
